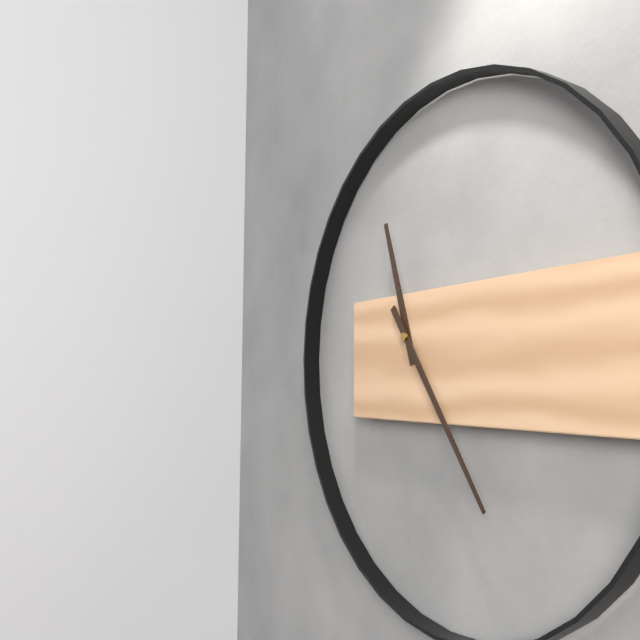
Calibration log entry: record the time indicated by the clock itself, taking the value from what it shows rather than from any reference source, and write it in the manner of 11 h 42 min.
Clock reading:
11 h 24 min
